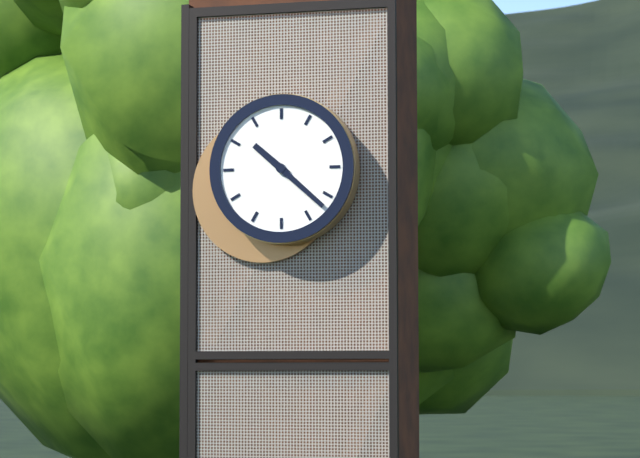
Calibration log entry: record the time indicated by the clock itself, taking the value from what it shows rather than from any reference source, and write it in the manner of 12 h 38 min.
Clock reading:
10 h 22 min
